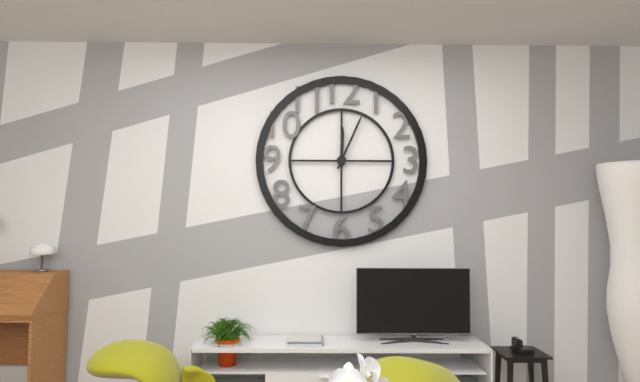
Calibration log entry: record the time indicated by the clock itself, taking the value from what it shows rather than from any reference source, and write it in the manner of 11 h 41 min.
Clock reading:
12 h 04 min
